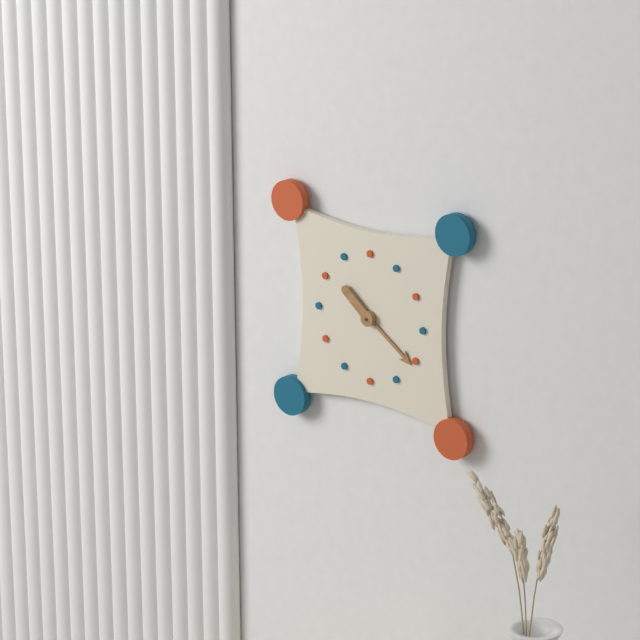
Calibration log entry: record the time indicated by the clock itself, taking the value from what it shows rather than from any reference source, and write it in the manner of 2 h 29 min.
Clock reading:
10 h 21 min
